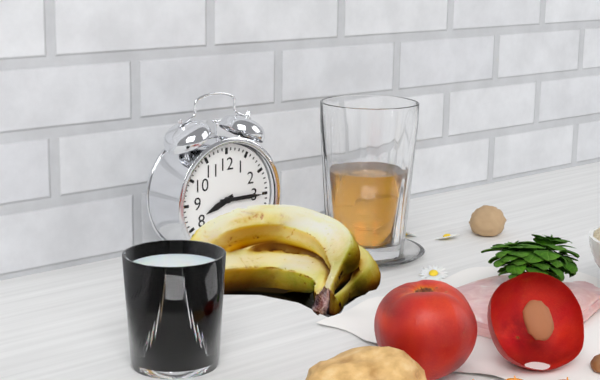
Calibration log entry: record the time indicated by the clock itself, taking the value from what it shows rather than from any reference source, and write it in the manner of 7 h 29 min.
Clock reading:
8 h 15 min
